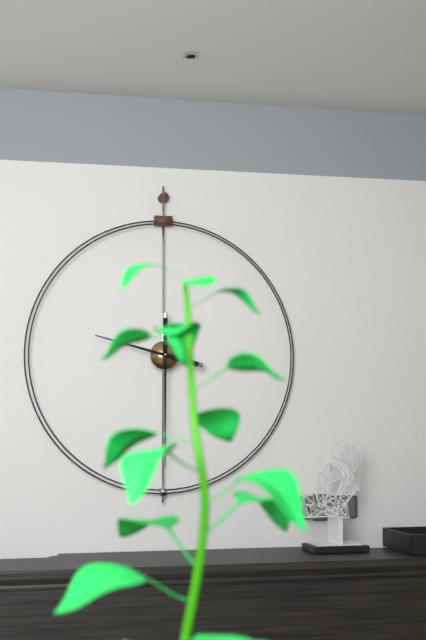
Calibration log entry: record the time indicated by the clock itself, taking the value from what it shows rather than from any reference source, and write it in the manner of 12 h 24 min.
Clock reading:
9 h 30 min
